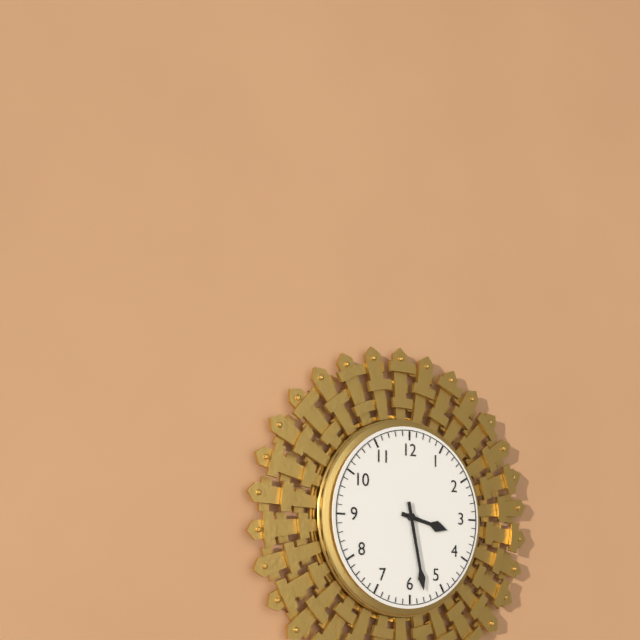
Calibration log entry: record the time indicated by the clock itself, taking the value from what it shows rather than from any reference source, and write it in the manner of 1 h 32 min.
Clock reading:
3 h 28 min
